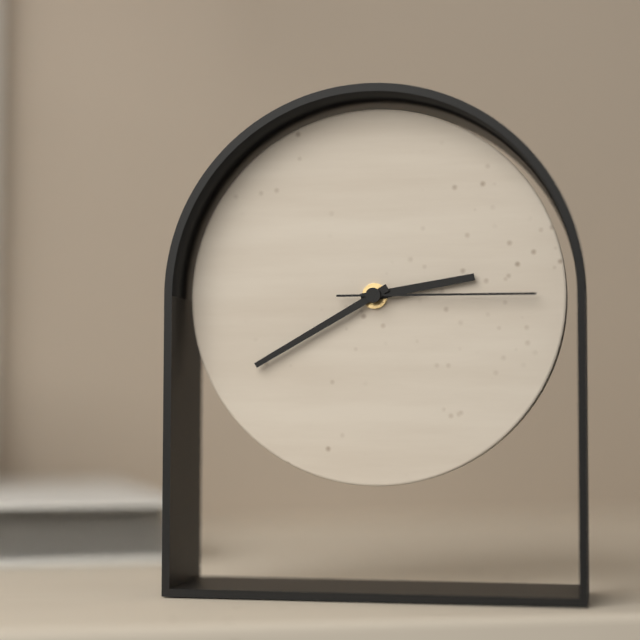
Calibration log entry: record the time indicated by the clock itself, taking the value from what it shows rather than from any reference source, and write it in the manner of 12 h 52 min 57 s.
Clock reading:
2 h 40 min 15 s
